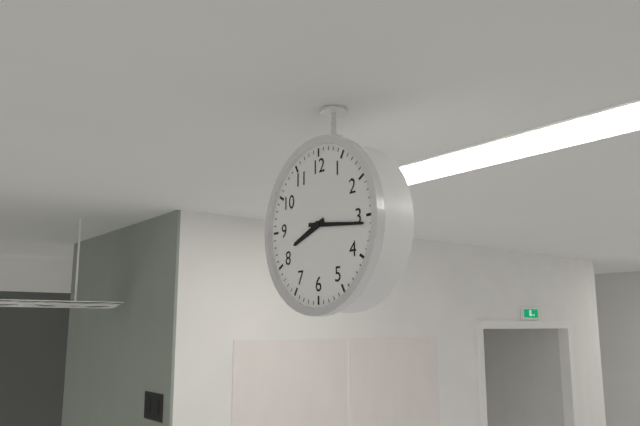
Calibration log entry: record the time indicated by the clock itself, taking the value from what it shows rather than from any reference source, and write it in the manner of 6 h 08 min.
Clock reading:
8 h 16 min
